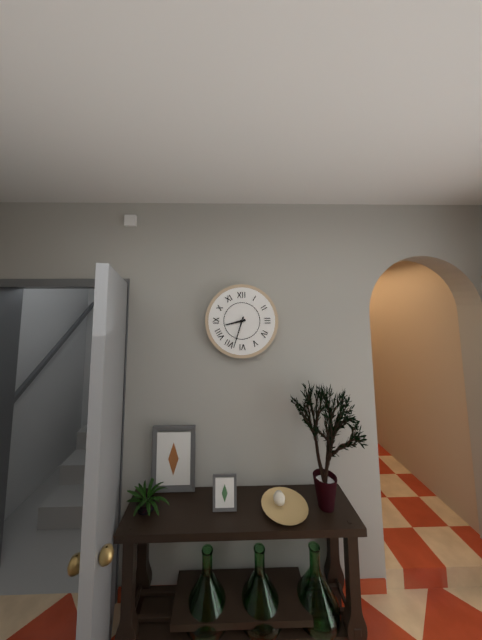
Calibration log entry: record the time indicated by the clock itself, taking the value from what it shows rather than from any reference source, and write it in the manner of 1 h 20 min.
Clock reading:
8 h 33 min
